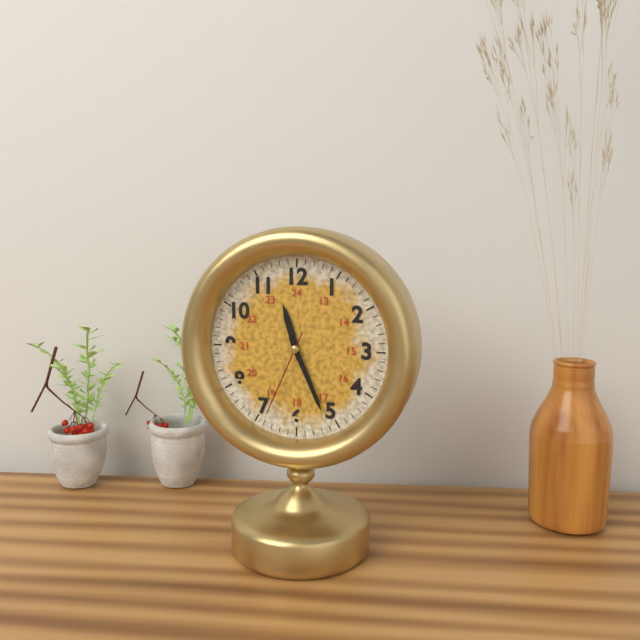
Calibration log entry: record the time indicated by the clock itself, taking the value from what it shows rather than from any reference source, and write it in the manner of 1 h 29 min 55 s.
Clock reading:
11 h 26 min 34 s
